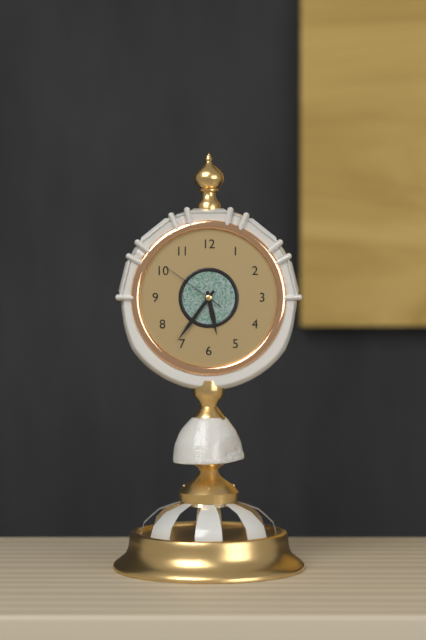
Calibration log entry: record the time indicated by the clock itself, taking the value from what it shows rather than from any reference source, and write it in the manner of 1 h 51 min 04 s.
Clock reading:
5 h 36 min 51 s
